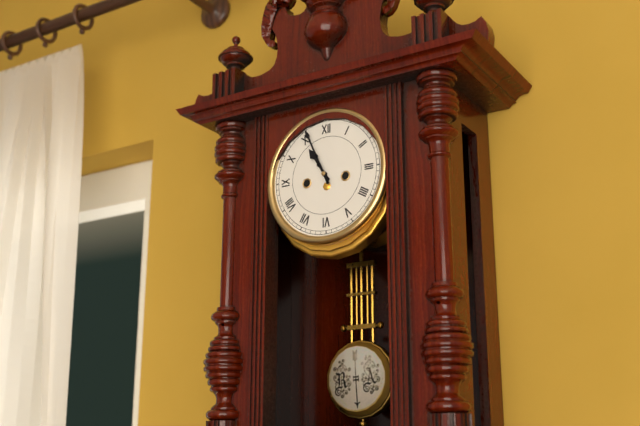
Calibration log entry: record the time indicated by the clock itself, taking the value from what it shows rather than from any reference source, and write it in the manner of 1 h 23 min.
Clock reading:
10 h 56 min
